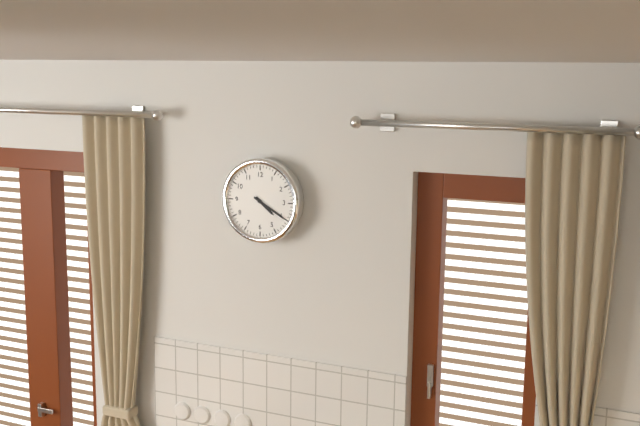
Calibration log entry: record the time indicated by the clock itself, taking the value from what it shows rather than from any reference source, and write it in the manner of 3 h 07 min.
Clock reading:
4 h 20 min
